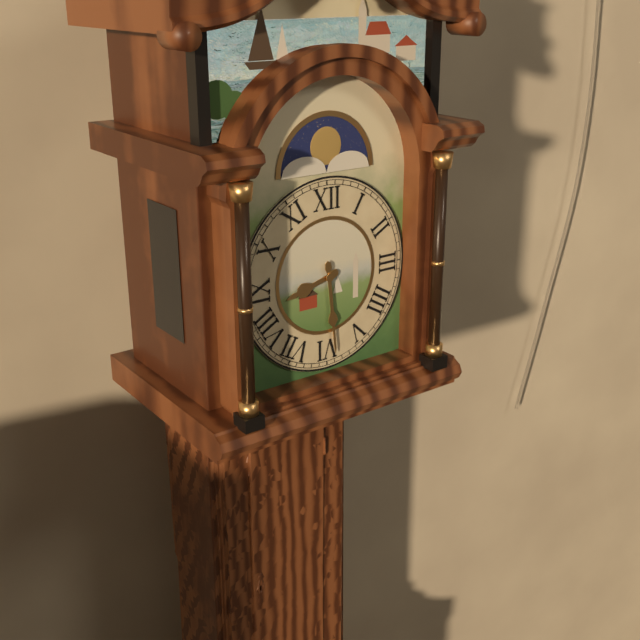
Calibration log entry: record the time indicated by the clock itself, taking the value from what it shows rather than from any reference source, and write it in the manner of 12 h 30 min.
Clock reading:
8 h 29 min
